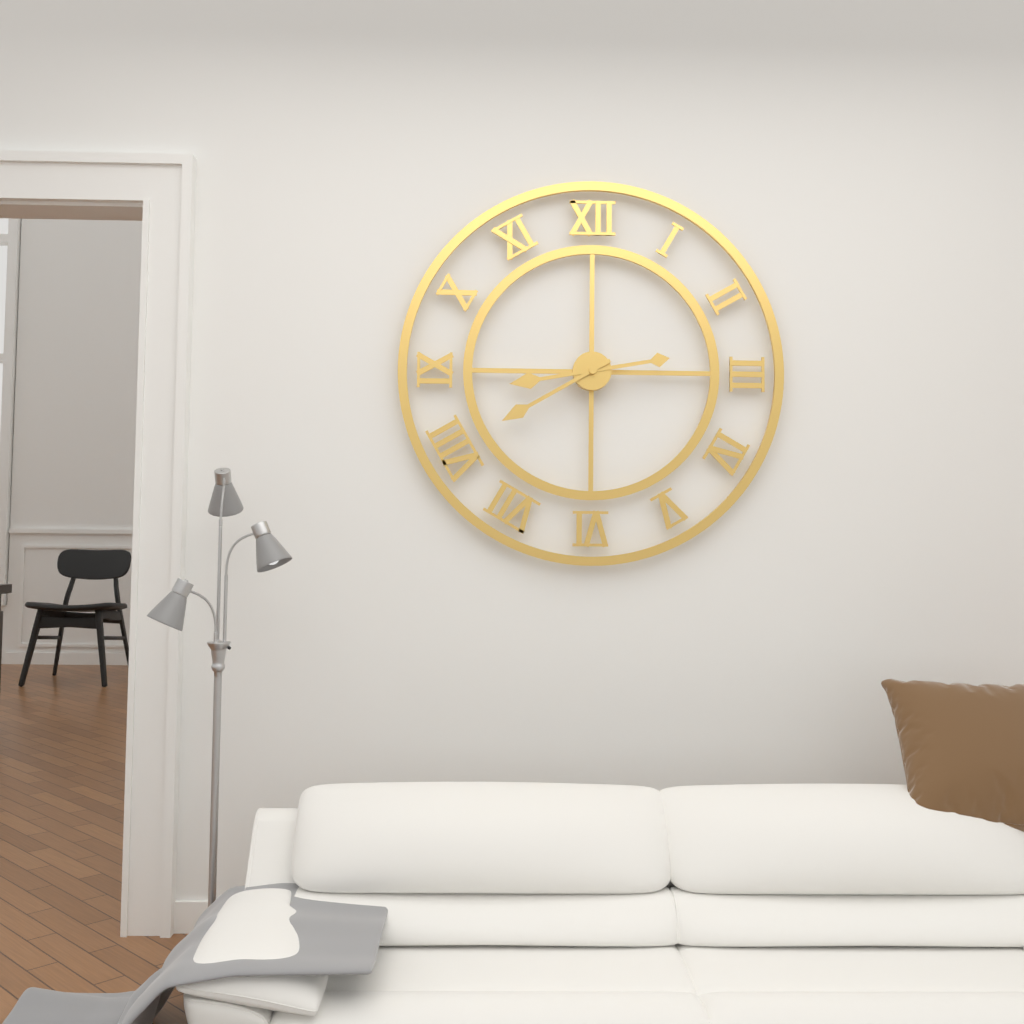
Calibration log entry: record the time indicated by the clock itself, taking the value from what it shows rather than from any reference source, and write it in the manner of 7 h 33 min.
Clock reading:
8 h 40 min
